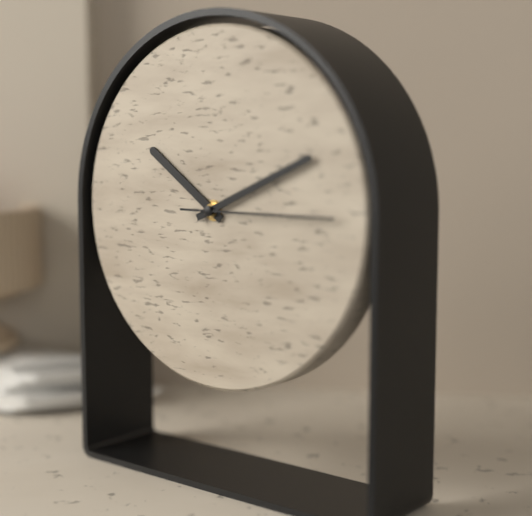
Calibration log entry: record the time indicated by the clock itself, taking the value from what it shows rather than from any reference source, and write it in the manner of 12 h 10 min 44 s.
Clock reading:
10 h 11 min 15 s
